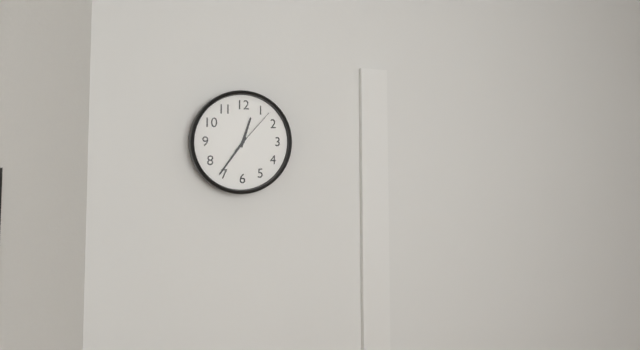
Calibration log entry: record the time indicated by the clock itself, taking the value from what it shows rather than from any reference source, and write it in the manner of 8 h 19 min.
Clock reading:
12 h 36 min
